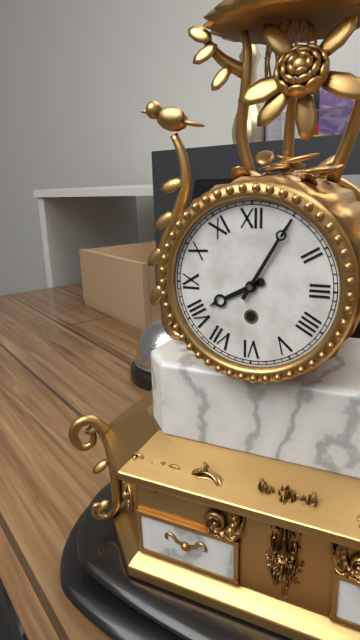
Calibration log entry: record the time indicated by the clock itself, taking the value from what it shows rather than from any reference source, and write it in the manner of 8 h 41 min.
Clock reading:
8 h 05 min
